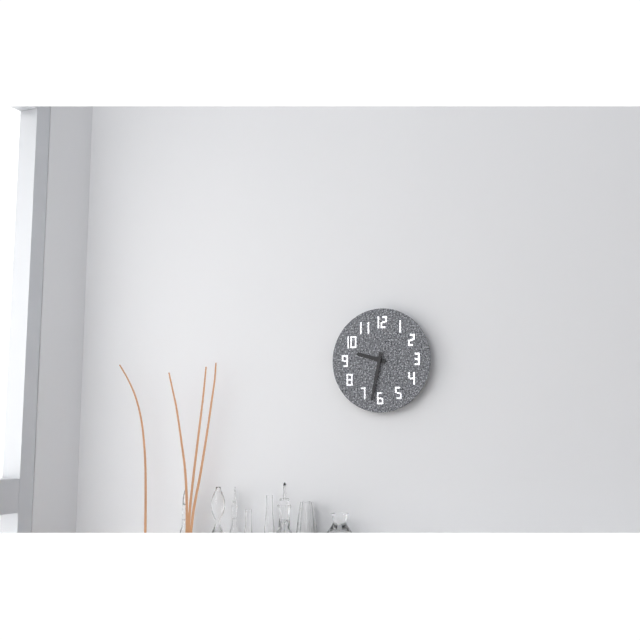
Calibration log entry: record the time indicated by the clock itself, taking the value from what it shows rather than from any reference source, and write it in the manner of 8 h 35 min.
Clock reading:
9 h 32 min
